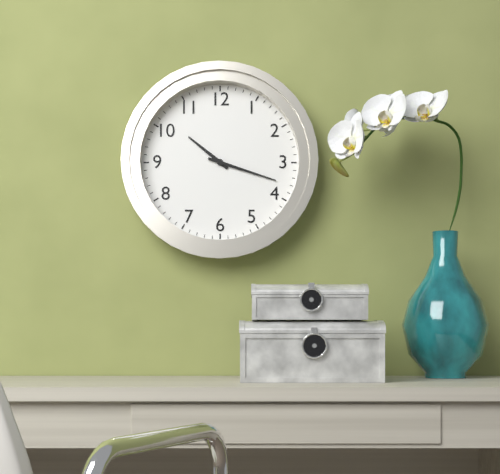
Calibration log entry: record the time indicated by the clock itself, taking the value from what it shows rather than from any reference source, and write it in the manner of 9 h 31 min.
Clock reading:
10 h 18 min
